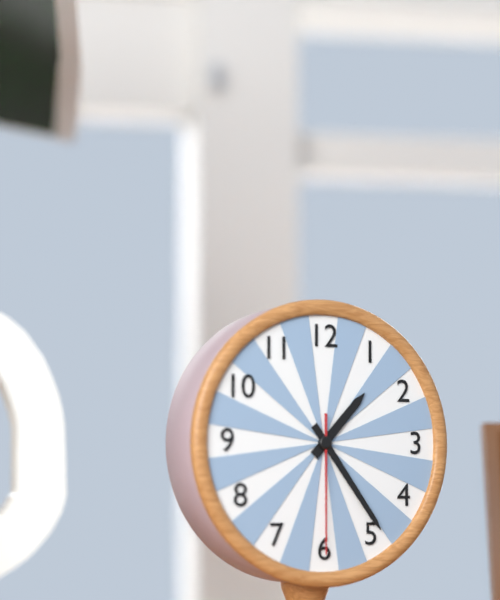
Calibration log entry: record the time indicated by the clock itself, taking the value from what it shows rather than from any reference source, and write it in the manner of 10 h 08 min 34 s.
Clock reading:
1 h 24 min 30 s
